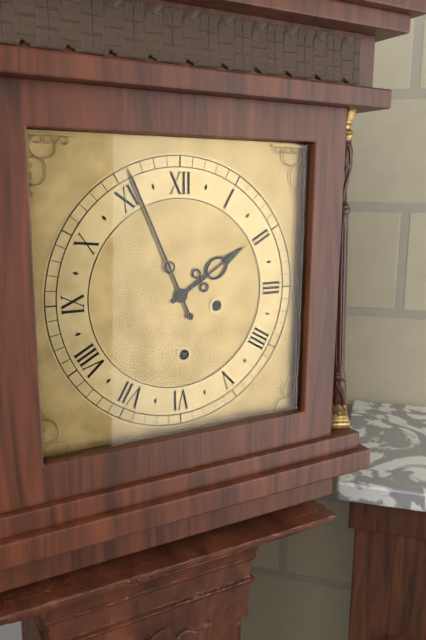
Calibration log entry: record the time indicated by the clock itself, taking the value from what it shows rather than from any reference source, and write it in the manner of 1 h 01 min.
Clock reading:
1 h 56 min
